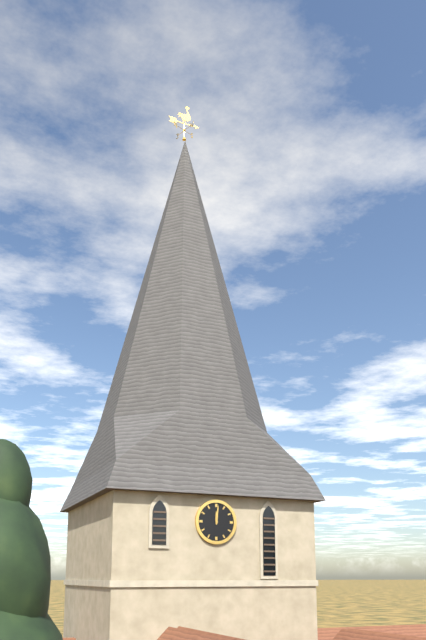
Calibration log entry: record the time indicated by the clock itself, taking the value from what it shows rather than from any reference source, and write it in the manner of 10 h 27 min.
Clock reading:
12 h 01 min
